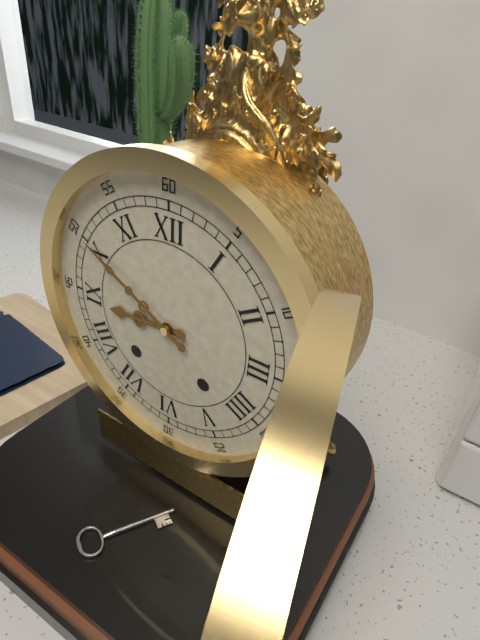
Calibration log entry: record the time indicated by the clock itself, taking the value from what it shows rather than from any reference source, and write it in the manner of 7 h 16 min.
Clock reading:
8 h 50 min
